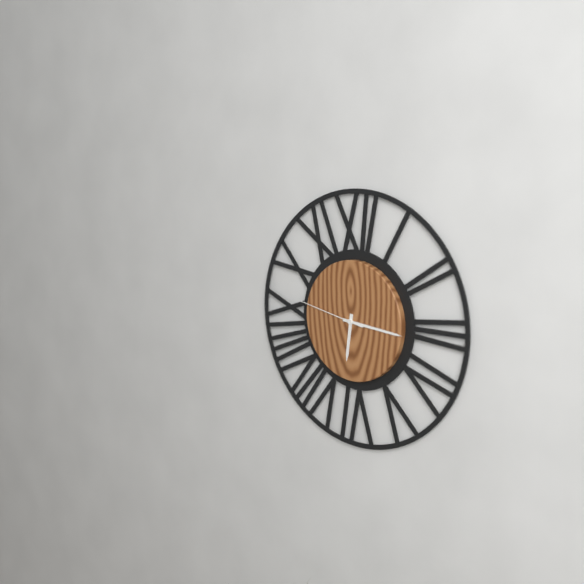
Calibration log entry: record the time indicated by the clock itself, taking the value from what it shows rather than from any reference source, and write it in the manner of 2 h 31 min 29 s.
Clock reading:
6 h 16 min 47 s
